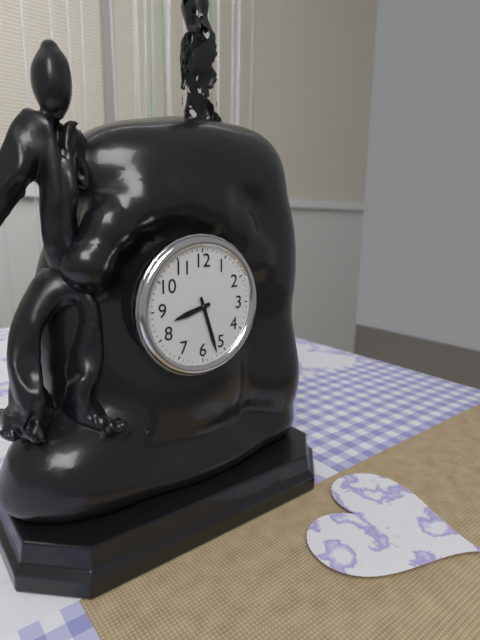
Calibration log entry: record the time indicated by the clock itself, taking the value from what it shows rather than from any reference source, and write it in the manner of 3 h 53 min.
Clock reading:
8 h 27 min
